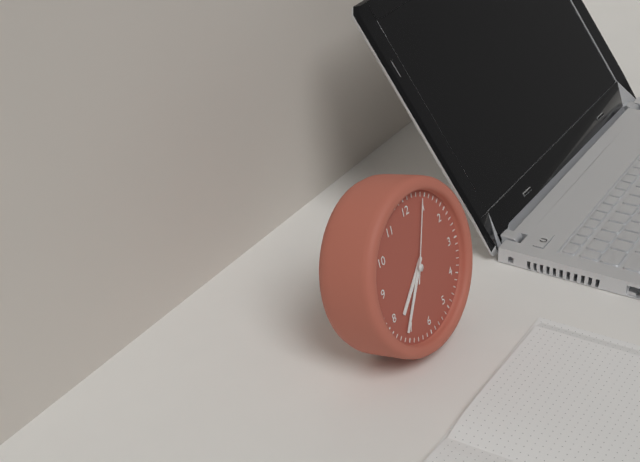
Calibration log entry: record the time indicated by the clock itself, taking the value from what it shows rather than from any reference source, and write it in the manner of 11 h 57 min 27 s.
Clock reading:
7 h 36 min 04 s
